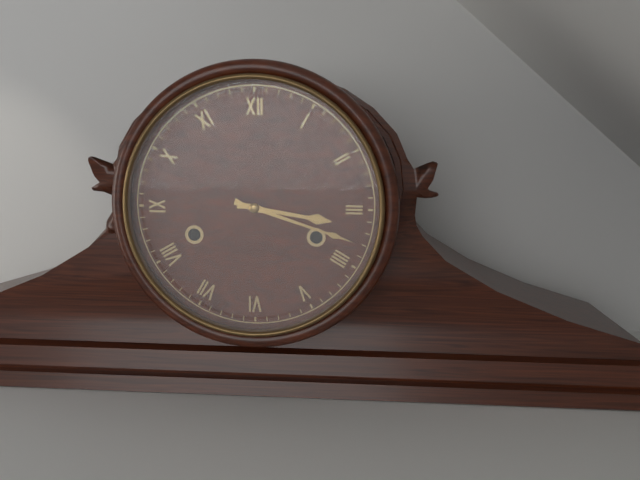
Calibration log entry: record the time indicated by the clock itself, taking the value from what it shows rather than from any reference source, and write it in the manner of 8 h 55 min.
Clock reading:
3 h 18 min
